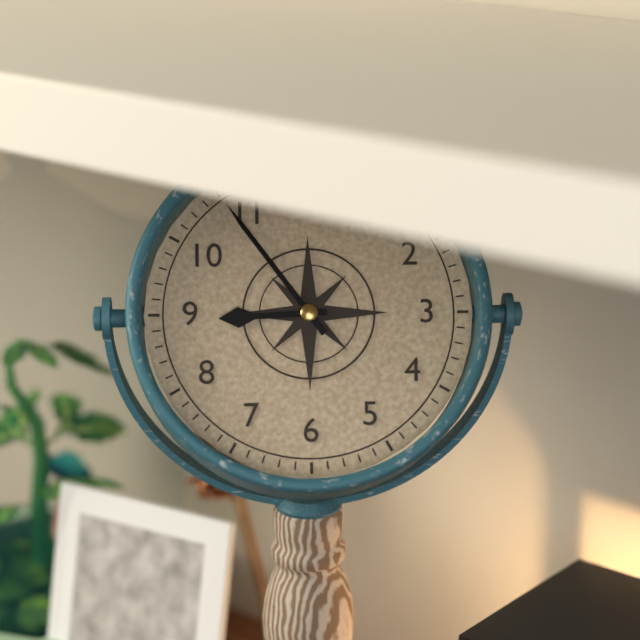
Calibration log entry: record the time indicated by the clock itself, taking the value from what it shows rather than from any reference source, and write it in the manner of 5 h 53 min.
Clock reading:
8 h 54 min
